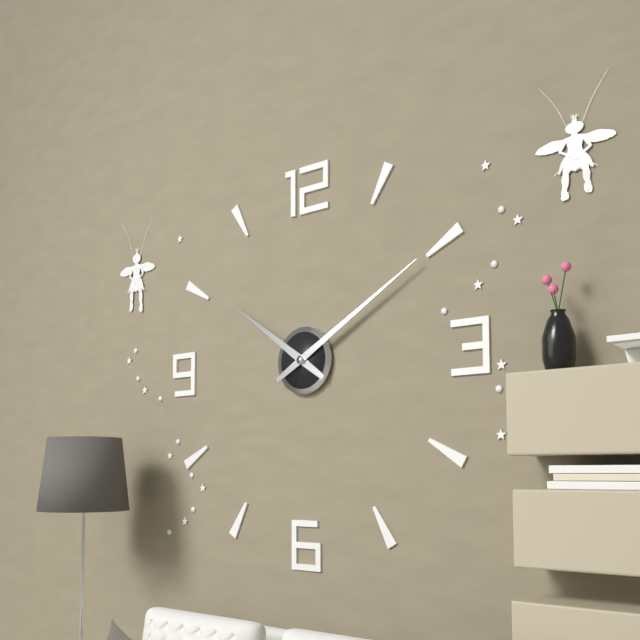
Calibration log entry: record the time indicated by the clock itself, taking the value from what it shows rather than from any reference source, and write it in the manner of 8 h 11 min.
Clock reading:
10 h 10 min
